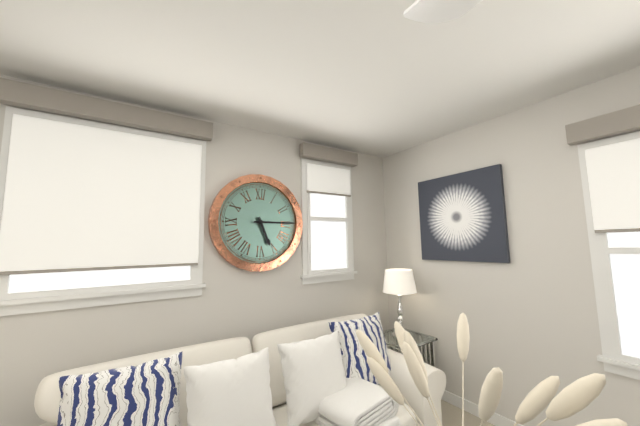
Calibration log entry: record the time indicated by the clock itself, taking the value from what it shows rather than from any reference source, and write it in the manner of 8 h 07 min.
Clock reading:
5 h 15 min
